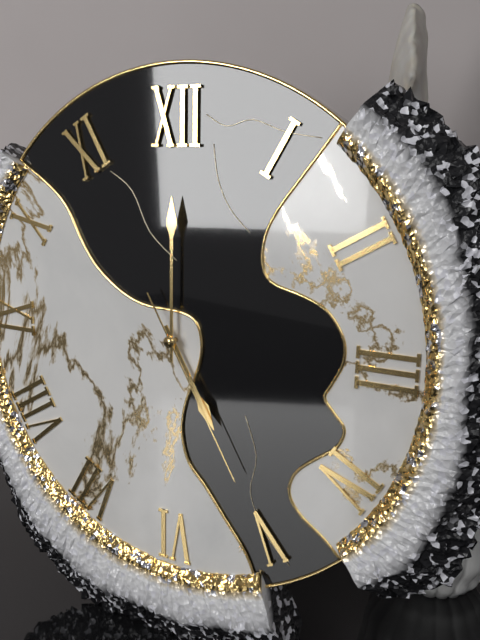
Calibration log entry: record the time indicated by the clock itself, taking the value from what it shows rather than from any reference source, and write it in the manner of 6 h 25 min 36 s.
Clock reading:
5 h 00 min 25 s
